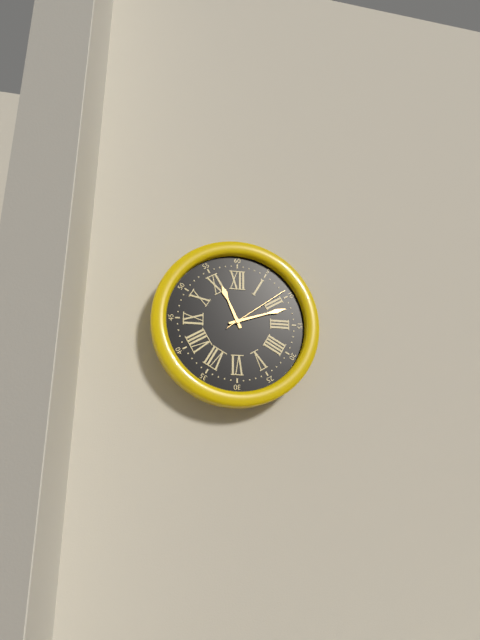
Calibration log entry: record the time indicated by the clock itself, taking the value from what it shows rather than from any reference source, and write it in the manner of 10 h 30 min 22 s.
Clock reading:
11 h 12 min 09 s
